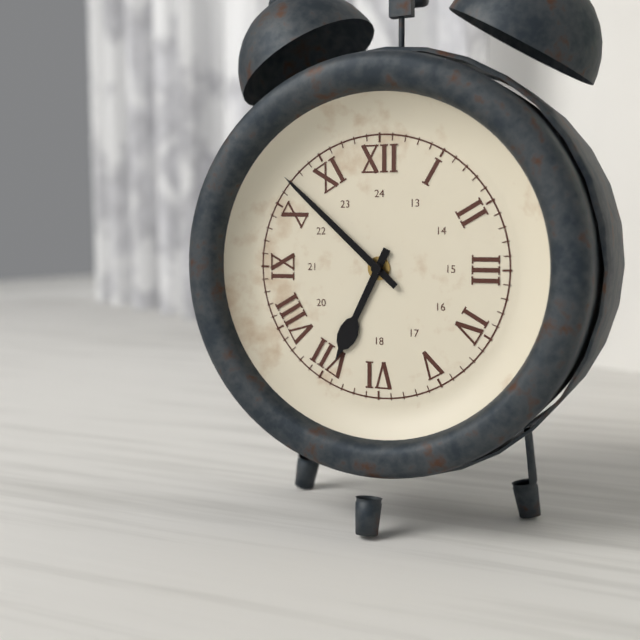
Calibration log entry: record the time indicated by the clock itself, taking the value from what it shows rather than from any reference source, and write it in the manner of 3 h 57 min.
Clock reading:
6 h 52 min
